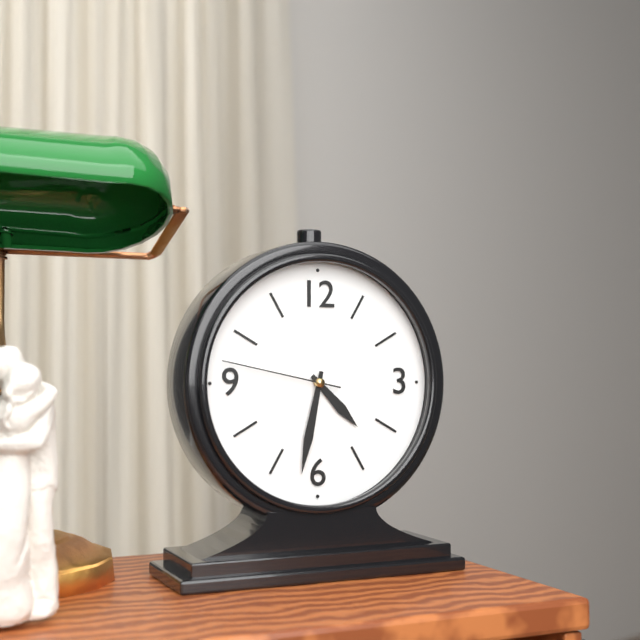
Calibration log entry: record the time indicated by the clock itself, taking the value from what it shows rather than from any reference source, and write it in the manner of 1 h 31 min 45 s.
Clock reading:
4 h 32 min 47 s
